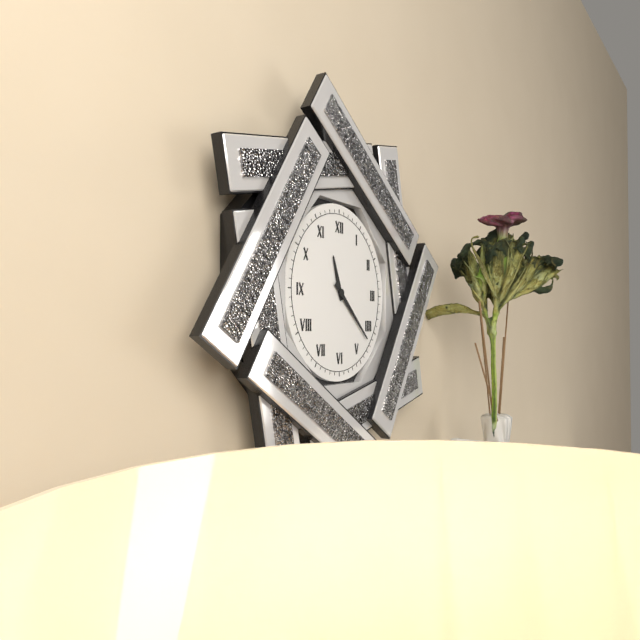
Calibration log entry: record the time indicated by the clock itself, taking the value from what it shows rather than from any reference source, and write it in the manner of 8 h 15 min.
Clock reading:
11 h 22 min
